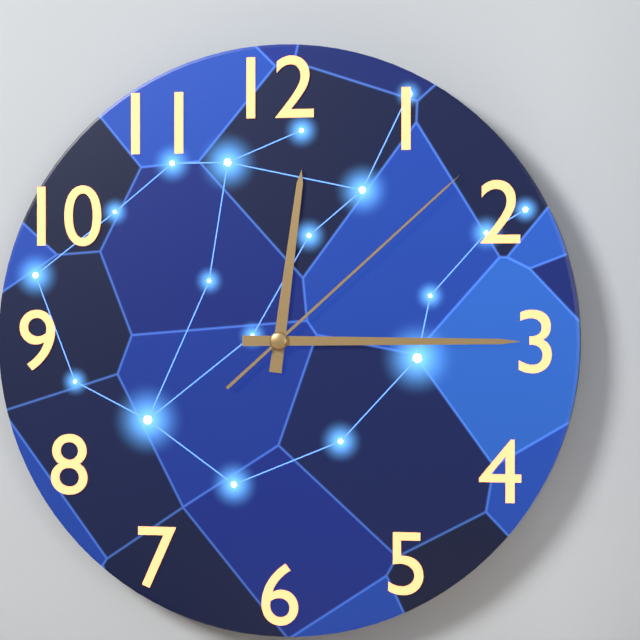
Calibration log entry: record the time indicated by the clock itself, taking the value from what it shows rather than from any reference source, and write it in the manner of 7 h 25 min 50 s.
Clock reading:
12 h 15 min 08 s
